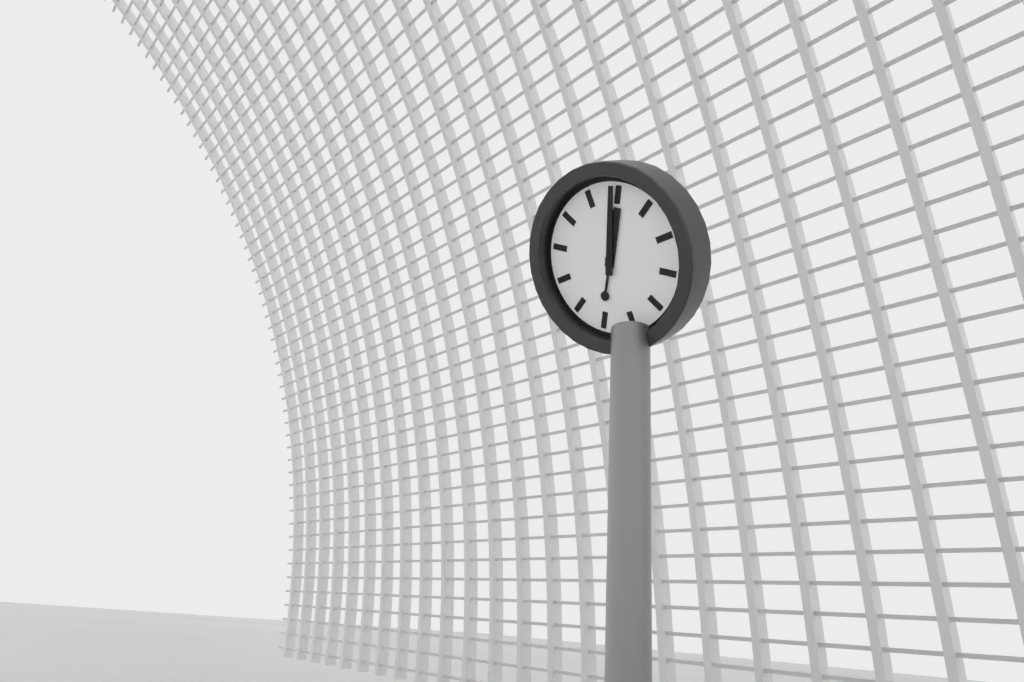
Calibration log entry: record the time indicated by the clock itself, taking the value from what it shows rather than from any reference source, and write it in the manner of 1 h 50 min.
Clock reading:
1 h 04 min
